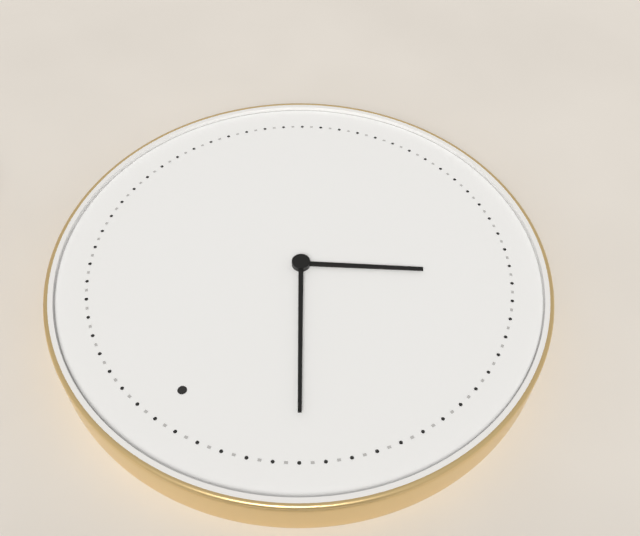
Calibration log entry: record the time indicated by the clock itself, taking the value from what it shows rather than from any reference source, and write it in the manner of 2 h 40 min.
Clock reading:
7 h 54 min
